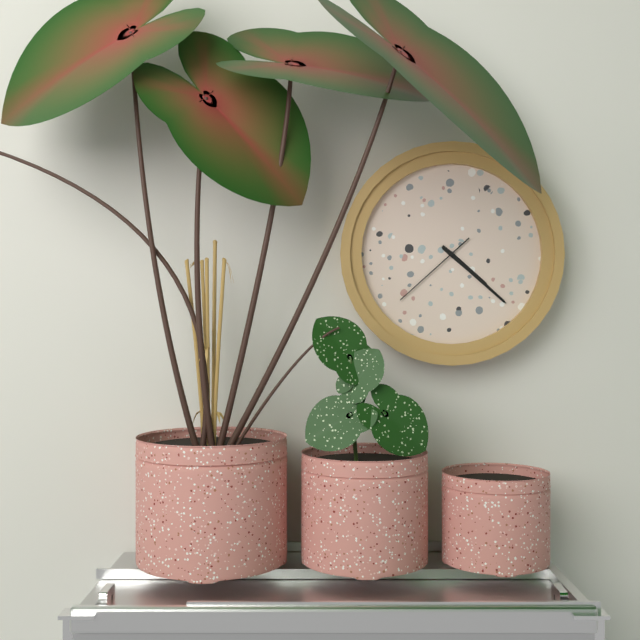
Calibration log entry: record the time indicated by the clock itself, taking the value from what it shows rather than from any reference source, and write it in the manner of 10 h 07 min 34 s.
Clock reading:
4 h 22 min 38 s
